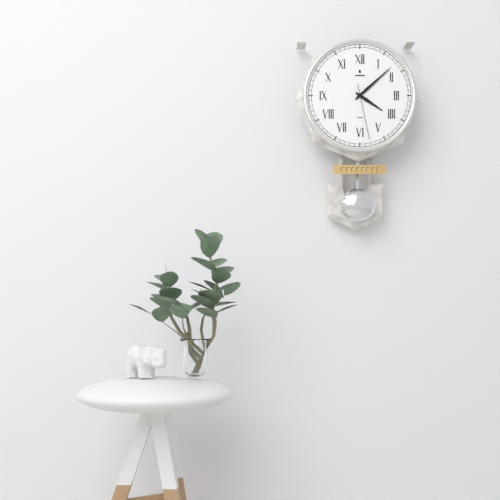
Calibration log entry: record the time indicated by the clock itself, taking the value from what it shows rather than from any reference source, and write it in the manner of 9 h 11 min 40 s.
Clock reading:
4 h 08 min 28 s
